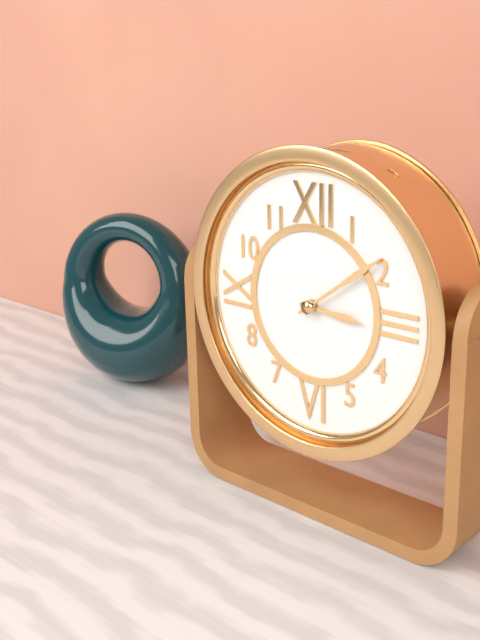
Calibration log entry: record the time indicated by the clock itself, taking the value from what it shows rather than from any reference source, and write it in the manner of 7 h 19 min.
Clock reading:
3 h 09 min
